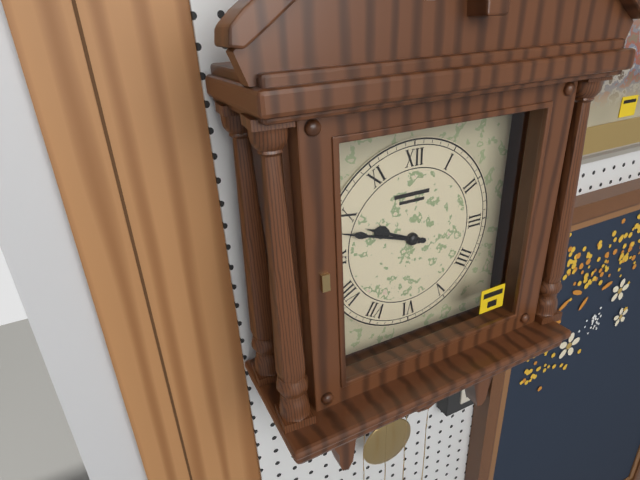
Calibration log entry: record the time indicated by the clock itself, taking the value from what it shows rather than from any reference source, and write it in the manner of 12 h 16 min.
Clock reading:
9 h 48 min
